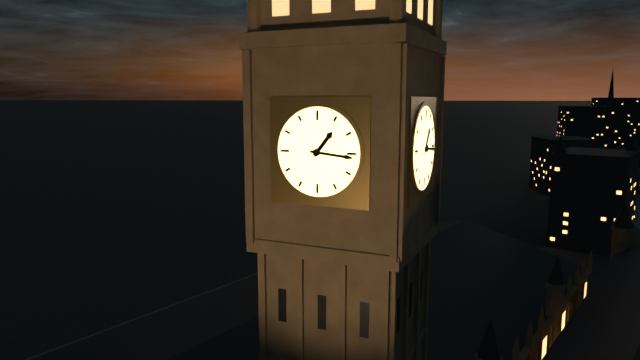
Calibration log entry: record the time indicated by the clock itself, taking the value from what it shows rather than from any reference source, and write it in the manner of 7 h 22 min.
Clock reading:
1 h 16 min
